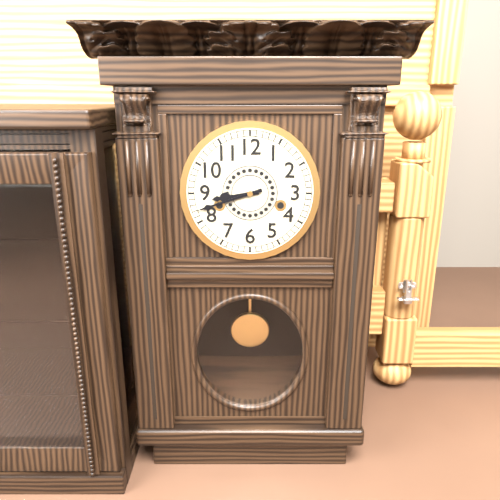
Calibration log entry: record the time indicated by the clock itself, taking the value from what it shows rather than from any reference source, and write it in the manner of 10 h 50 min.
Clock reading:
8 h 42 min
